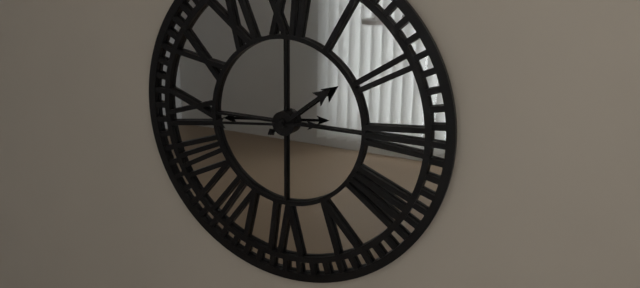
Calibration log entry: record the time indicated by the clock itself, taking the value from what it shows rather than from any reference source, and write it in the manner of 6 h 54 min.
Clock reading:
1 h 44 min
